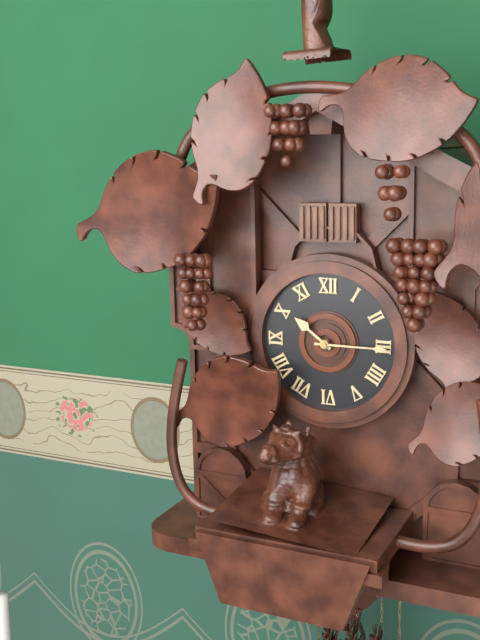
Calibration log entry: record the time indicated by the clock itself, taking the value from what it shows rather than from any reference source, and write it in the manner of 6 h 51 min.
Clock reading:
10 h 15 min
